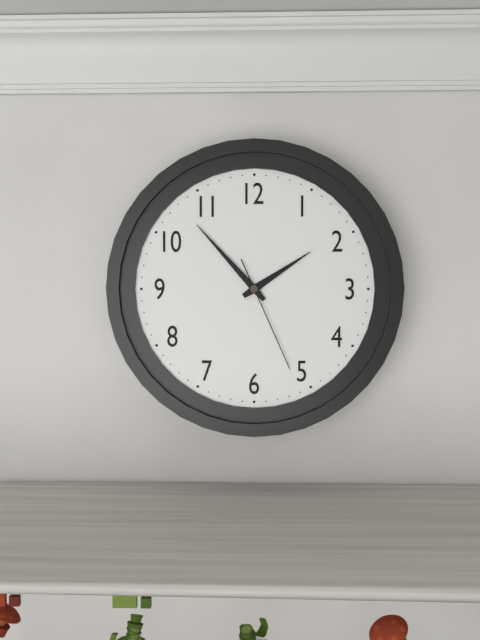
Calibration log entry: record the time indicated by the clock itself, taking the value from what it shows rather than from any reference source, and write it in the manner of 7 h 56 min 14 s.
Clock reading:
1 h 53 min 26 s
